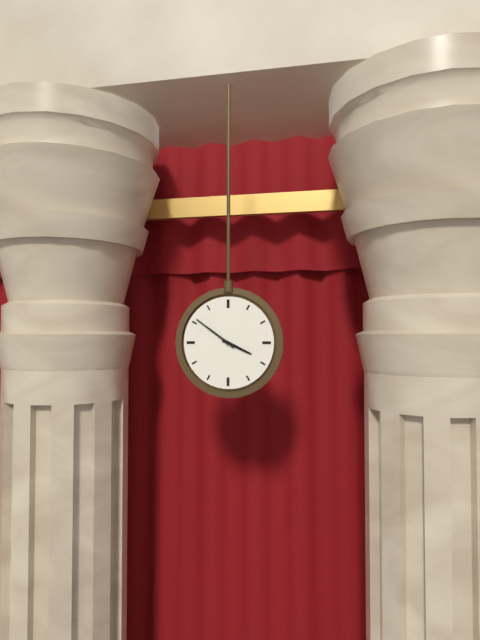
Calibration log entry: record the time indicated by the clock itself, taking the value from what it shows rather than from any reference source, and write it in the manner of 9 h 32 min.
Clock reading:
3 h 51 min
